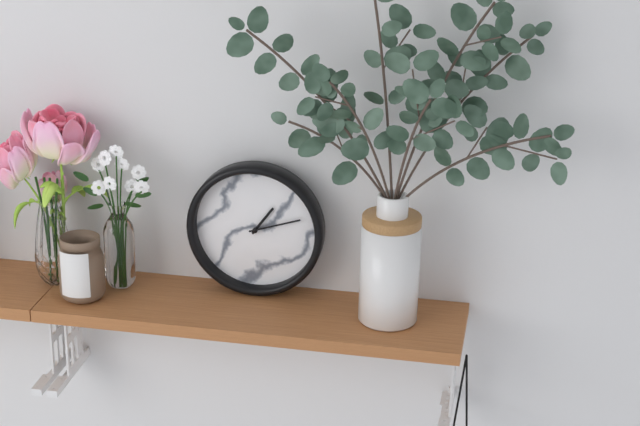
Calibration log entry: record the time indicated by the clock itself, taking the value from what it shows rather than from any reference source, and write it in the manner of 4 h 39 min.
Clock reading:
1 h 12 min
